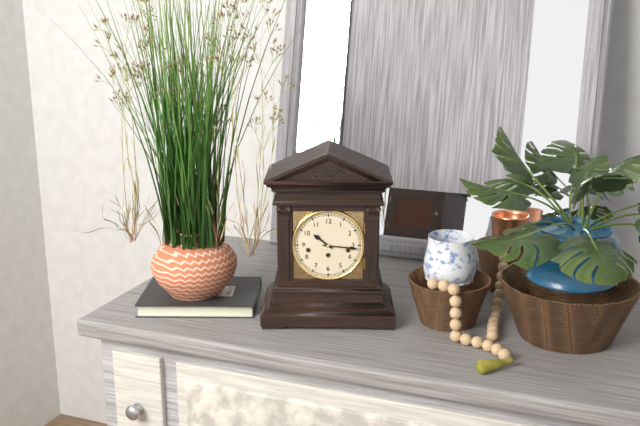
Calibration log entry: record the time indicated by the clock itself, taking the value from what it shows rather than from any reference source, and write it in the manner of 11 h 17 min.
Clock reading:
10 h 16 min
